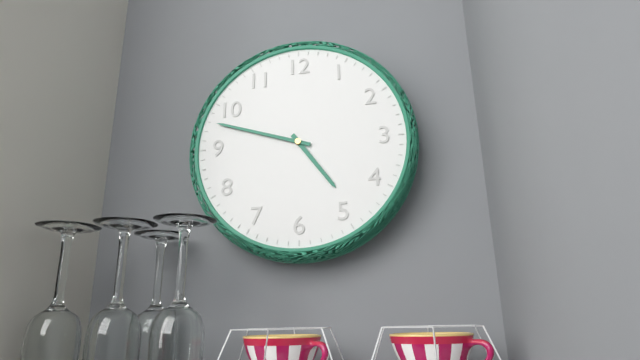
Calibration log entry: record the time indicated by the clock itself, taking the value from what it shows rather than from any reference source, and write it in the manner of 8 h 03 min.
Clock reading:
4 h 48 min
